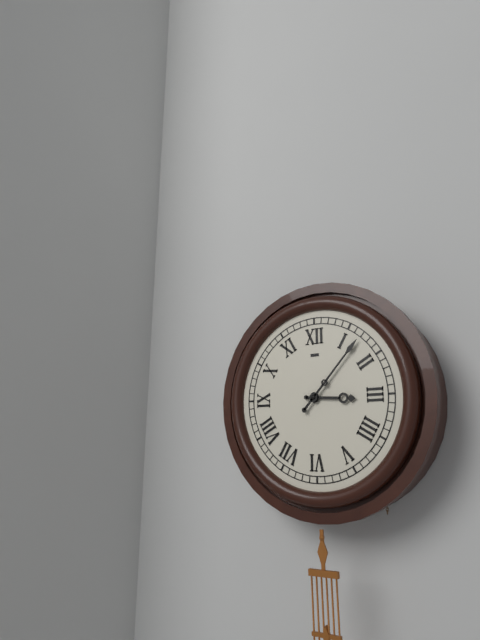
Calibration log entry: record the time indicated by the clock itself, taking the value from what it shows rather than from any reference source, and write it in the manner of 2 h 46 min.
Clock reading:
3 h 07 min
